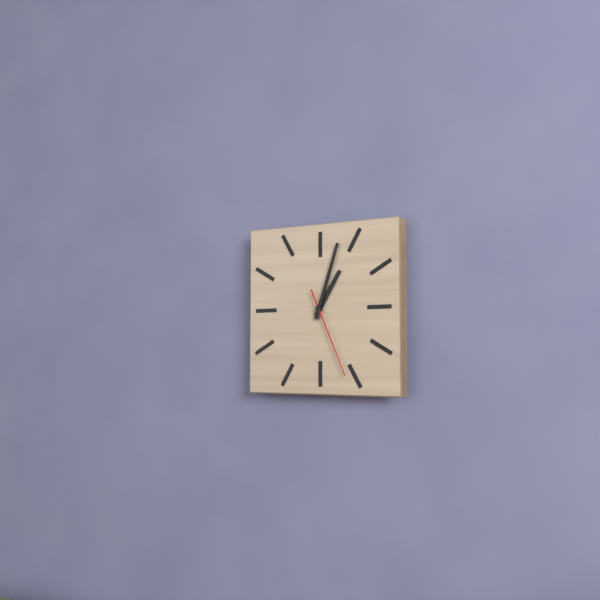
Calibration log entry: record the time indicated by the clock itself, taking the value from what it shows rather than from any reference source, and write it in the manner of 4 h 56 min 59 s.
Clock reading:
1 h 03 min 26 s
